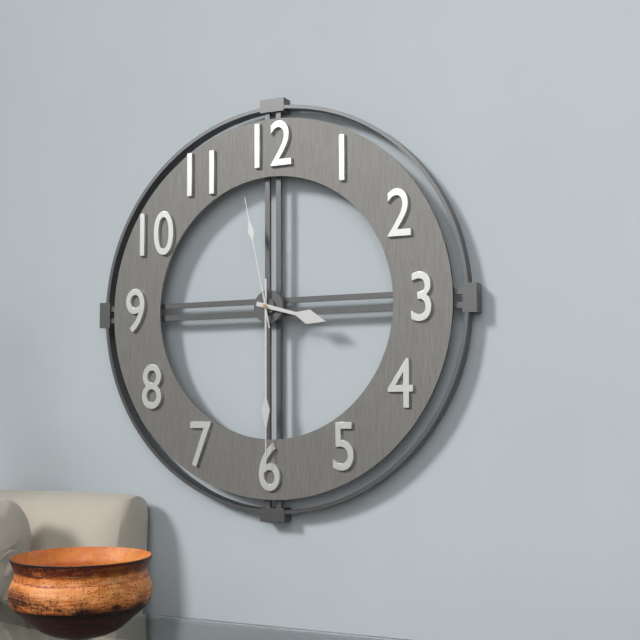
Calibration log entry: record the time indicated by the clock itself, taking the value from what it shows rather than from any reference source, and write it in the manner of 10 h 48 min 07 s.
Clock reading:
3 h 30 min 58 s
